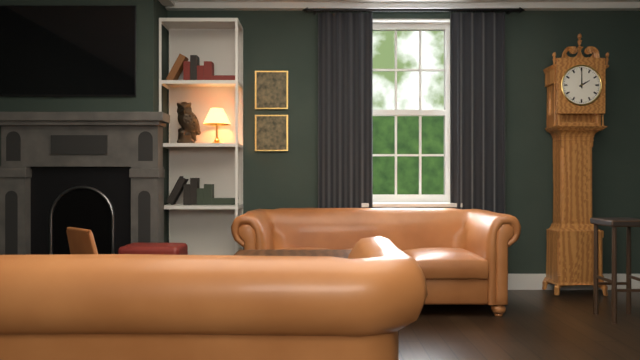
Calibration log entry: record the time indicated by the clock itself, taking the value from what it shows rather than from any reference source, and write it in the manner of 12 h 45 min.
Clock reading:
2 h 00 min
